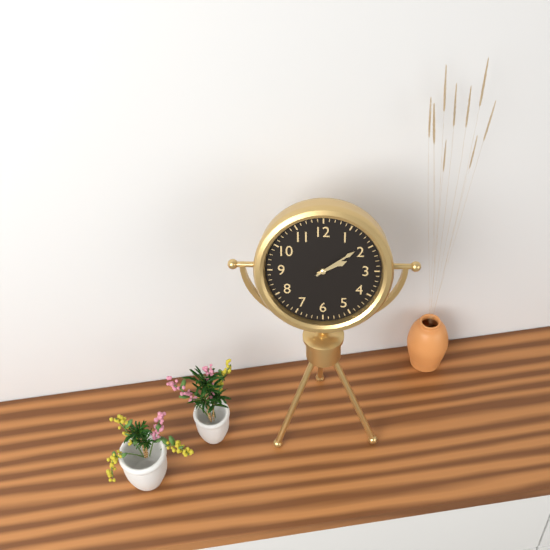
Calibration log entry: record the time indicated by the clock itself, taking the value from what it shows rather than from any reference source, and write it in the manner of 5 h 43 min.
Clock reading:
2 h 09 min
